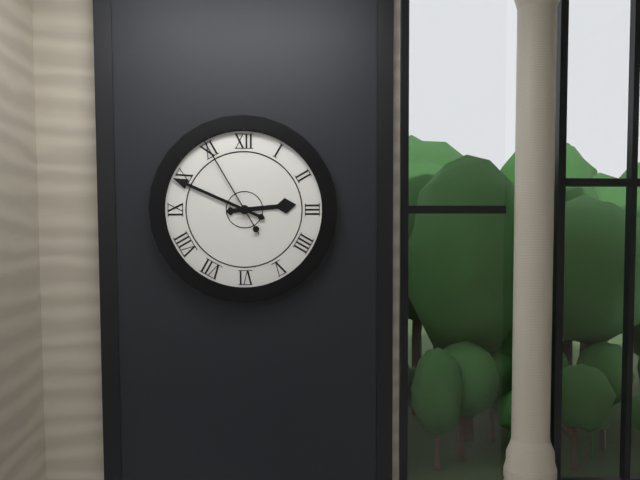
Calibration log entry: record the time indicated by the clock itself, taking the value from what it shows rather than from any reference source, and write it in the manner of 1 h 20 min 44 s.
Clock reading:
2 h 49 min 55 s
